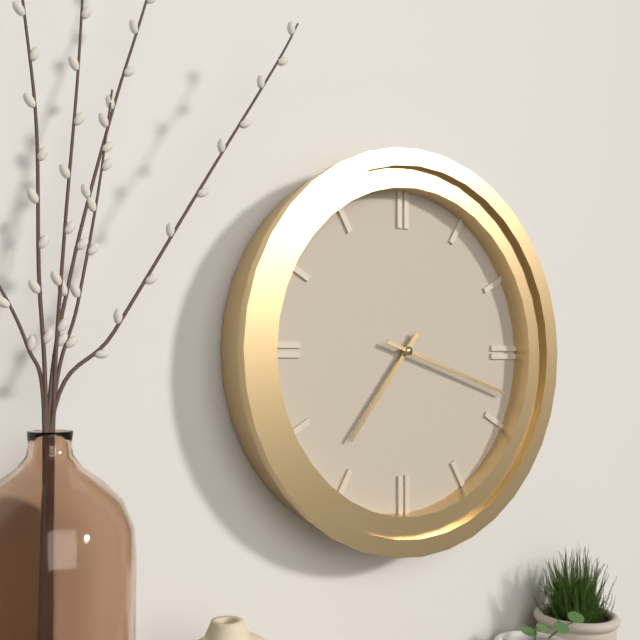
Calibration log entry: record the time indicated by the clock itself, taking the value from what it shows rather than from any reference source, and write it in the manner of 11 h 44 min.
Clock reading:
7 h 18 min
